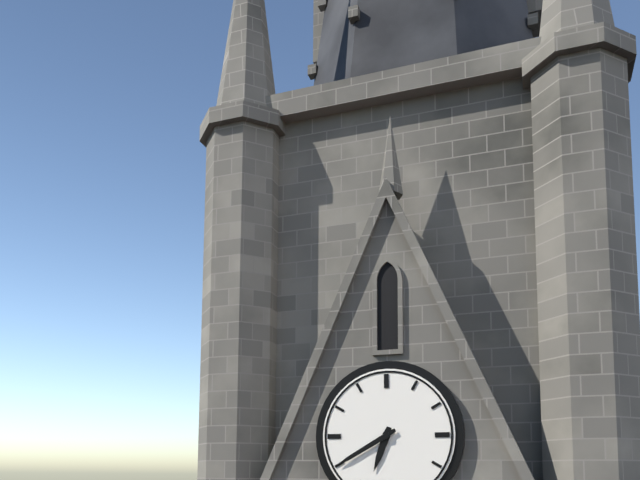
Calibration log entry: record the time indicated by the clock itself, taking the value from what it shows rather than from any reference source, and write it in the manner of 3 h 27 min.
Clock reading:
6 h 40 min
